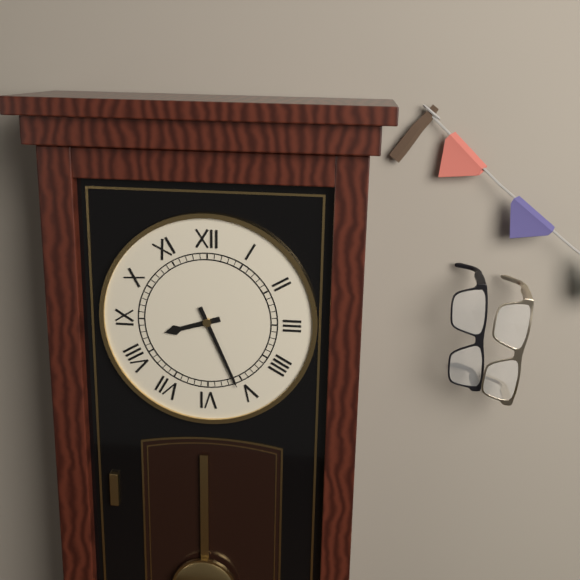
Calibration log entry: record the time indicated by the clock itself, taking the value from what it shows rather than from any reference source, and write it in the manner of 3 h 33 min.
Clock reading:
8 h 26 min
